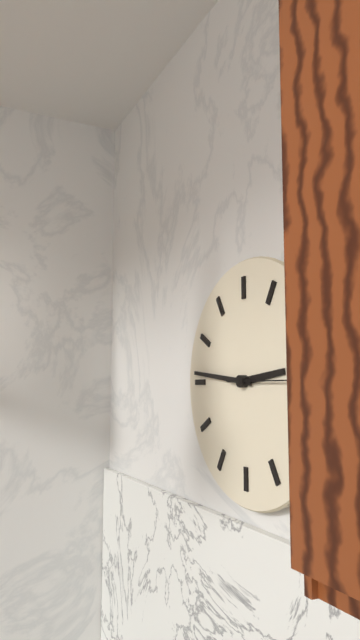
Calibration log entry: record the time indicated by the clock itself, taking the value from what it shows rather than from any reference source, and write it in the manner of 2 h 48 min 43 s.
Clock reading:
2 h 46 min 15 s
